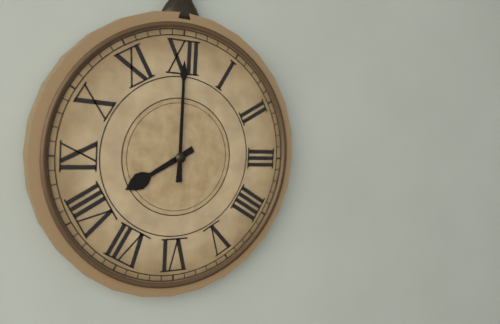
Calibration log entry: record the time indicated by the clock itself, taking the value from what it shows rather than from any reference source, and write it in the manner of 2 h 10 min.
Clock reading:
8 h 00 min
